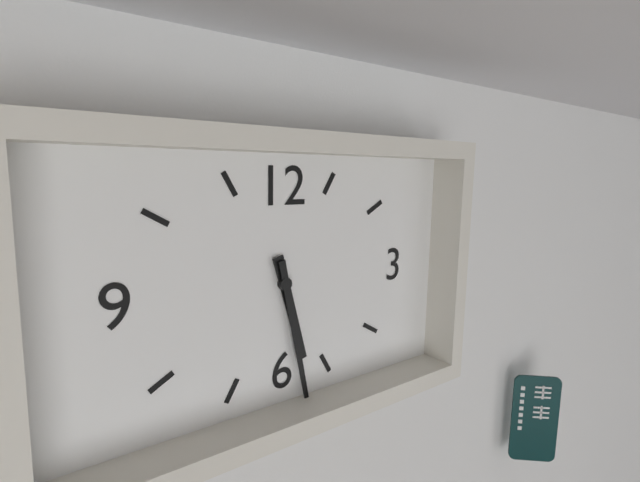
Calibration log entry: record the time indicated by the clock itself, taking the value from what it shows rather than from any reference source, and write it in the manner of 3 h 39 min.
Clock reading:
5 h 28 min
